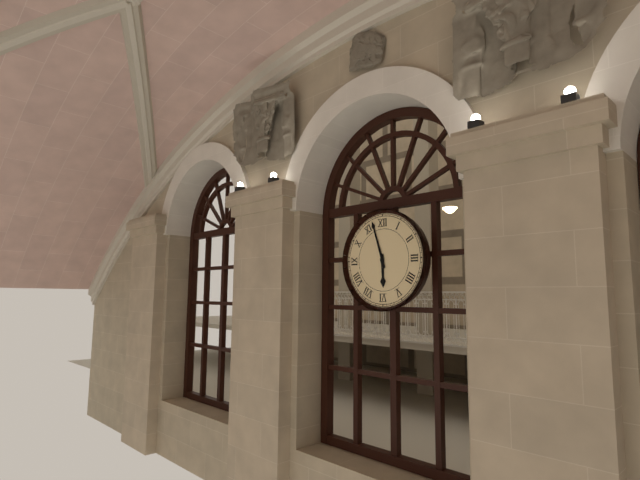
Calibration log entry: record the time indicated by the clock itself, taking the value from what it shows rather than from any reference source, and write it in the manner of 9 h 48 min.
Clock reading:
5 h 57 min
